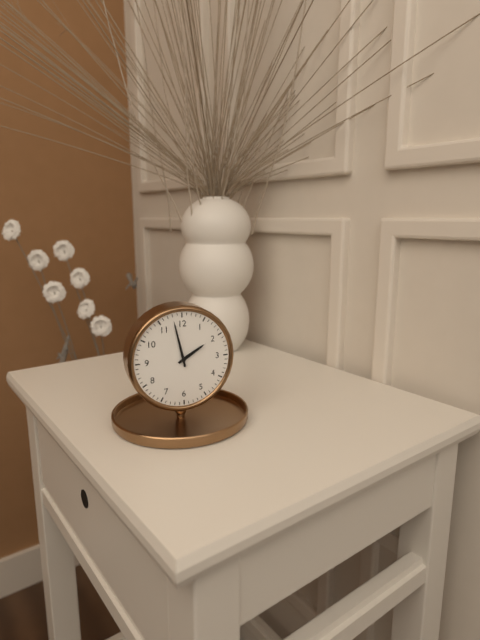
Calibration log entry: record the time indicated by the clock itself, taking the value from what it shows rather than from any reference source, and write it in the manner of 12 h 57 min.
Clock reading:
1 h 58 min
